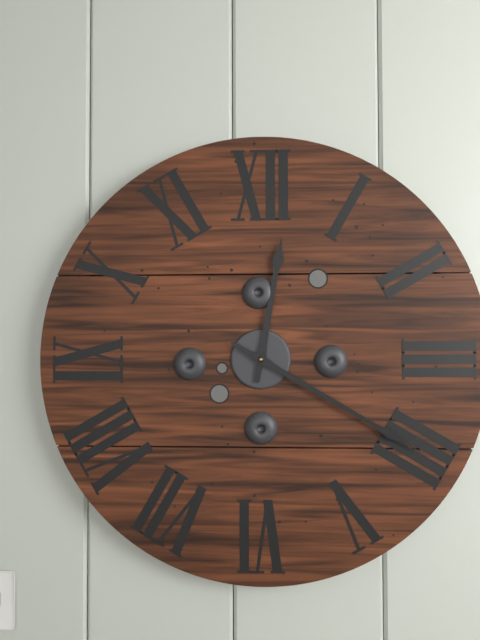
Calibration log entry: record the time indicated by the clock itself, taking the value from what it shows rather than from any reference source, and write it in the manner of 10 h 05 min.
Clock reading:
12 h 20 min
